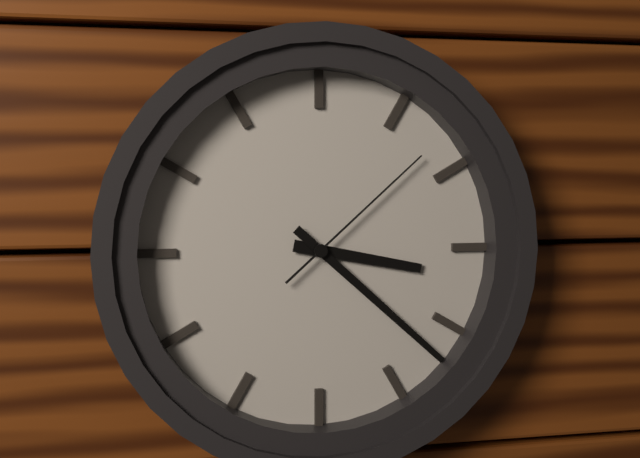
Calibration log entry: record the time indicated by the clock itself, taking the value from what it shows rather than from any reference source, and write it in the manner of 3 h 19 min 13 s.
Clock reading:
3 h 22 min 08 s
